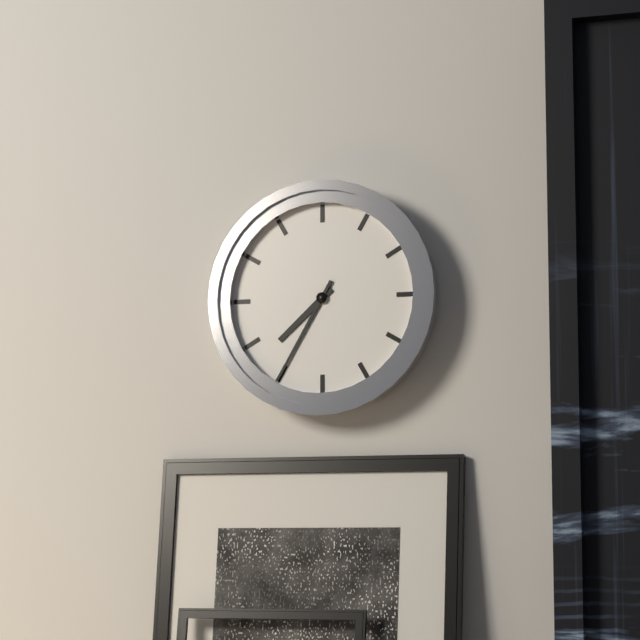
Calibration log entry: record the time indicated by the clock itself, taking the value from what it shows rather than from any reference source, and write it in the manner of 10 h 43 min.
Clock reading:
7 h 35 min
